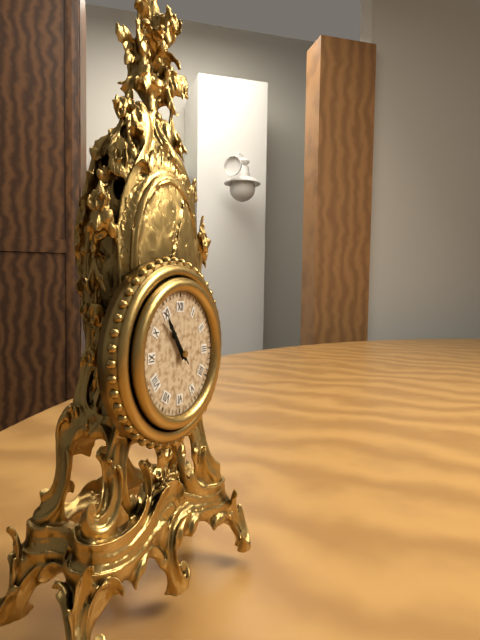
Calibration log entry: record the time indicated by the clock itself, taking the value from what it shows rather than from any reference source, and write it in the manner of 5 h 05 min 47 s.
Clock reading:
10 h 54 min 54 s
